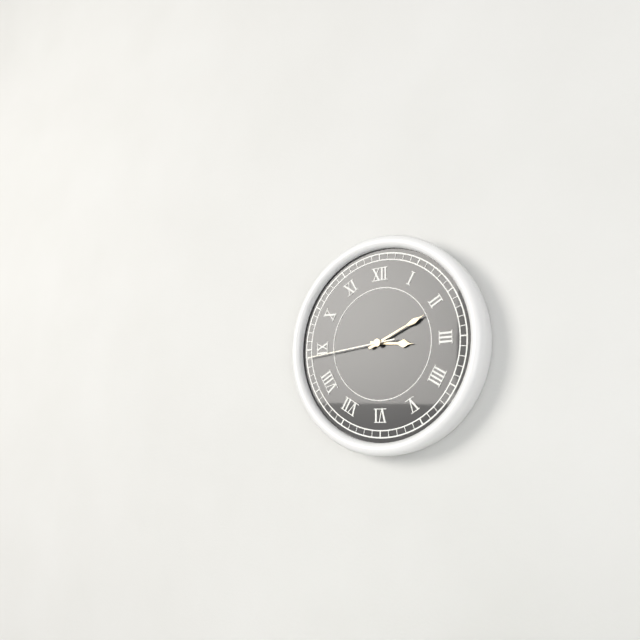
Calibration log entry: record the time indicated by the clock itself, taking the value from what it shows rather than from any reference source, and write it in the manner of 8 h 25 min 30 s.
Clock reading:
3 h 11 min 44 s
